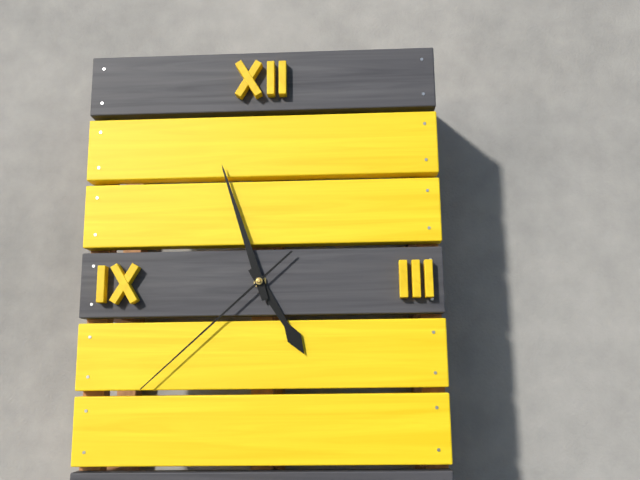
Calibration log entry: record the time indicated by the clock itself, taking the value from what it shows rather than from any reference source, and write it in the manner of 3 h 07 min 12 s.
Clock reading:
4 h 57 min 38 s
